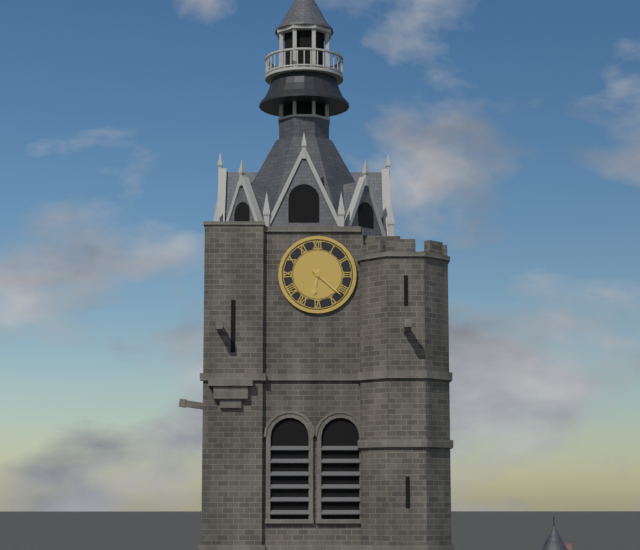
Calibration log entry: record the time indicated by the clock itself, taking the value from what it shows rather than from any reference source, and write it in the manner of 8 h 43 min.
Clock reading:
6 h 22 min
